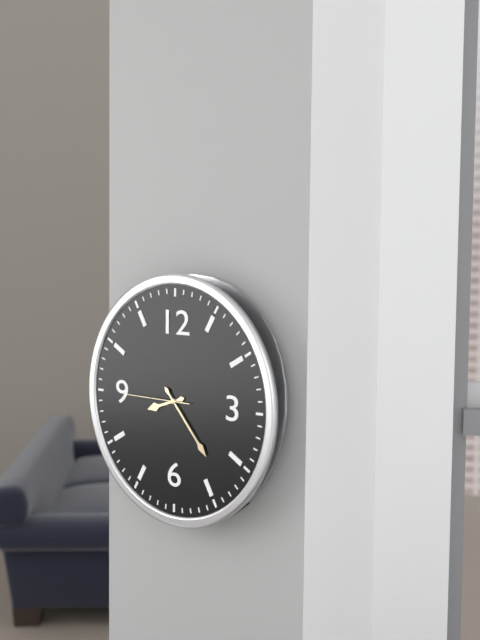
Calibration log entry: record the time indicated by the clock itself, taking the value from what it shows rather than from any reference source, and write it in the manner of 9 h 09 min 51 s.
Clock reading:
8 h 23 min 45 s
